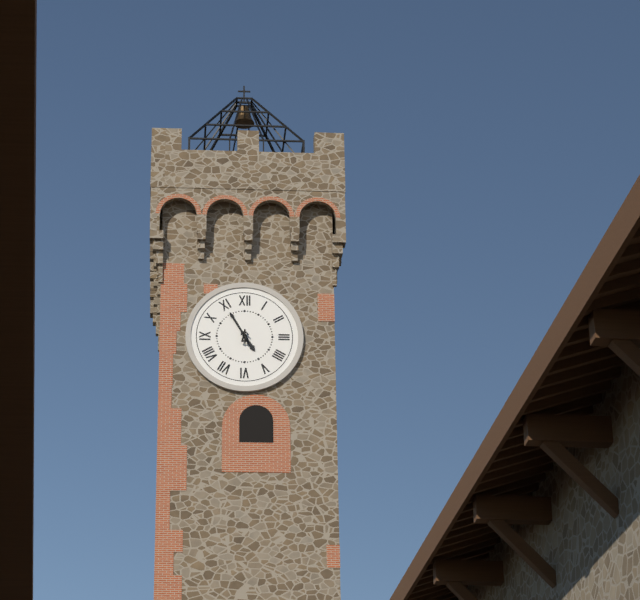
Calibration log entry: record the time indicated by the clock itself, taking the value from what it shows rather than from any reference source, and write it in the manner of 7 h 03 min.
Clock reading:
4 h 55 min
